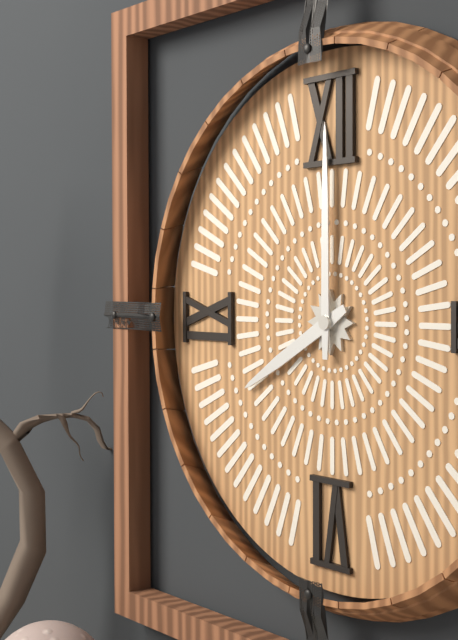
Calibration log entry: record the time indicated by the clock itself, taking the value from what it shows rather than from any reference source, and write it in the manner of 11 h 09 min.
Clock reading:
8 h 00 min
